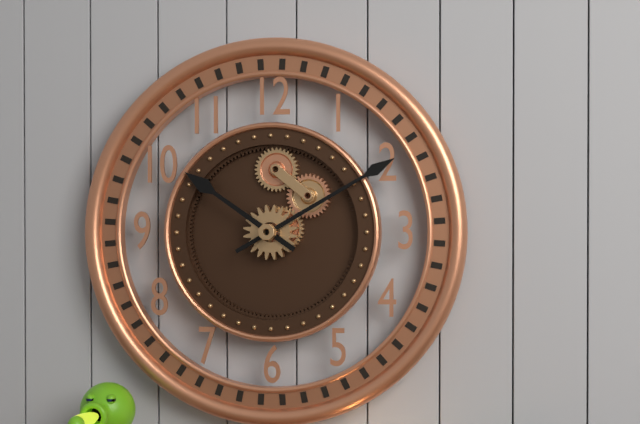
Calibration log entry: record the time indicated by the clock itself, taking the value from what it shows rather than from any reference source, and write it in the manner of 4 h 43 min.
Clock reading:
10 h 10 min
